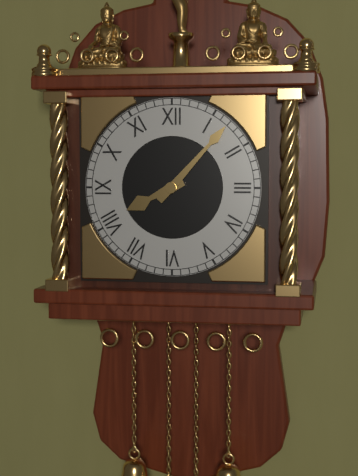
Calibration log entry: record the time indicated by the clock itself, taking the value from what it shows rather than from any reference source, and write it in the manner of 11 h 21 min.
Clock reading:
8 h 07 min
